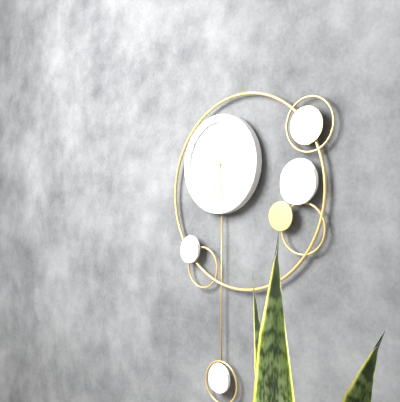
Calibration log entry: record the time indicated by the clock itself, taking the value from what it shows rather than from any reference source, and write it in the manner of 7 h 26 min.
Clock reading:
9 h 29 min
